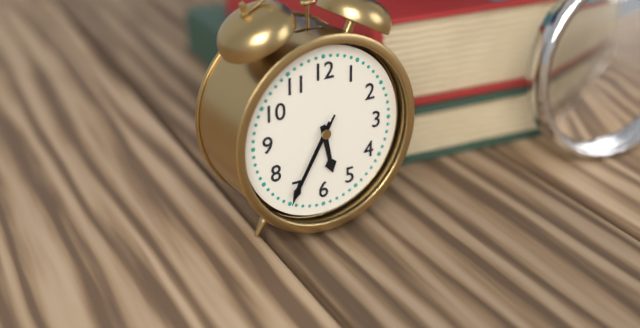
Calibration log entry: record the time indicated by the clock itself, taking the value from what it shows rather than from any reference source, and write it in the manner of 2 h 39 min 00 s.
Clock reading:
5 h 35 min 35 s
